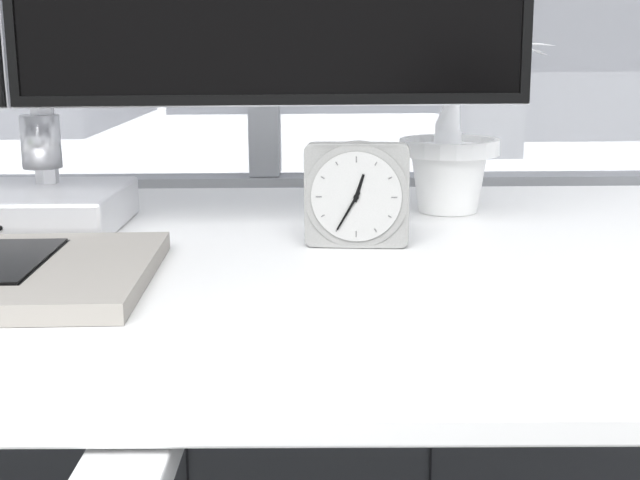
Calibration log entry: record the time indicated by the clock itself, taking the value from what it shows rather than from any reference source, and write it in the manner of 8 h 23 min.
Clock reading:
12 h 35 min
